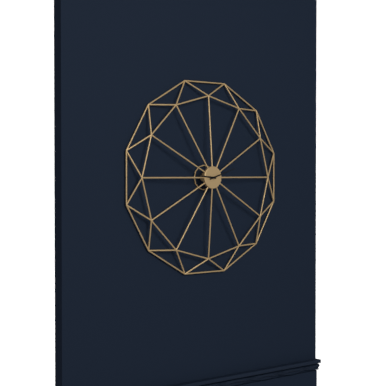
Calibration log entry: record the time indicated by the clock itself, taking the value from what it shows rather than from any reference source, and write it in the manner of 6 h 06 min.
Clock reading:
9 h 12 min
